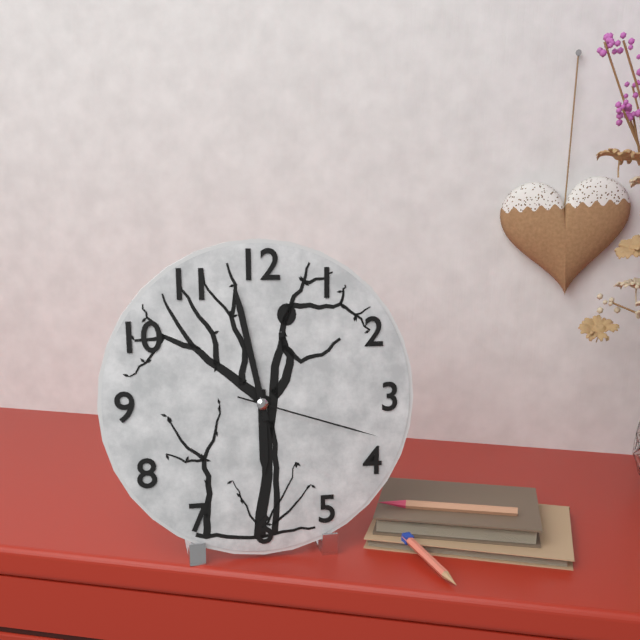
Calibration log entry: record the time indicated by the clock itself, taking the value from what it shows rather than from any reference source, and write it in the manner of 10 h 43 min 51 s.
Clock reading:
5 h 58 min 18 s
